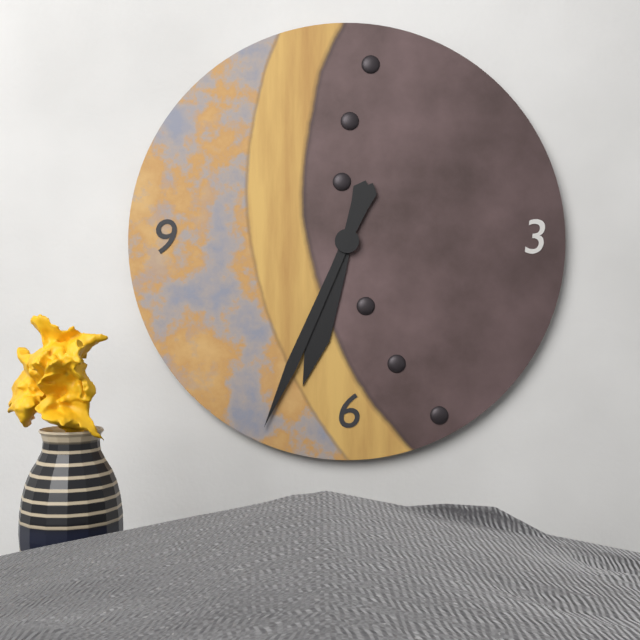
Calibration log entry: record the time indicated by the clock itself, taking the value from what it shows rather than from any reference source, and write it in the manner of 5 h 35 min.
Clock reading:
6 h 34 min
